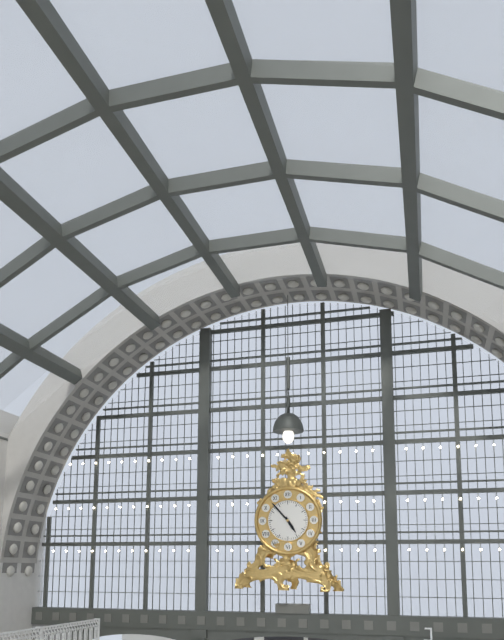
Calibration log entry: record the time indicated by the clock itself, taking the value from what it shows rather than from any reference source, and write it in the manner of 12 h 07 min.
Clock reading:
4 h 53 min
